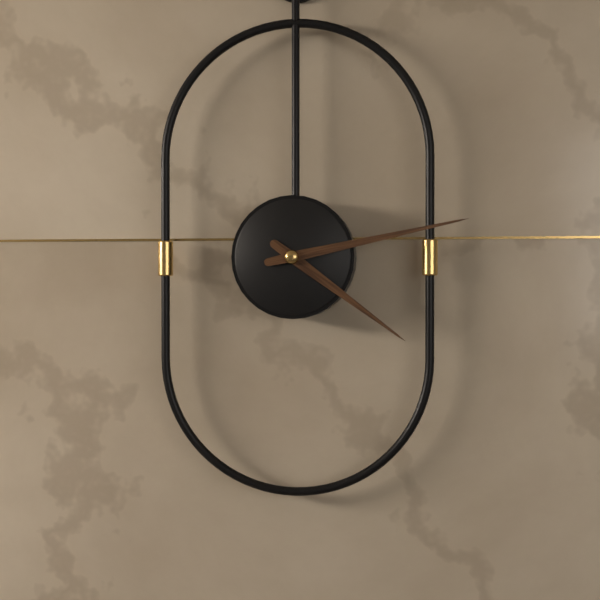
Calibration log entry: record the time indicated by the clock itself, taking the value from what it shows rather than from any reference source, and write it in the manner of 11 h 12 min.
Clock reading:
4 h 13 min
